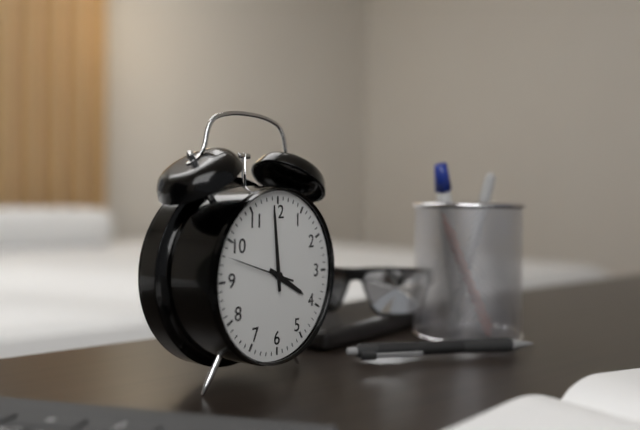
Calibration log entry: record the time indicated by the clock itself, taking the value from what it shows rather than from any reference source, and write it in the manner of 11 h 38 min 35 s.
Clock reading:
3 h 59 min 48 s
